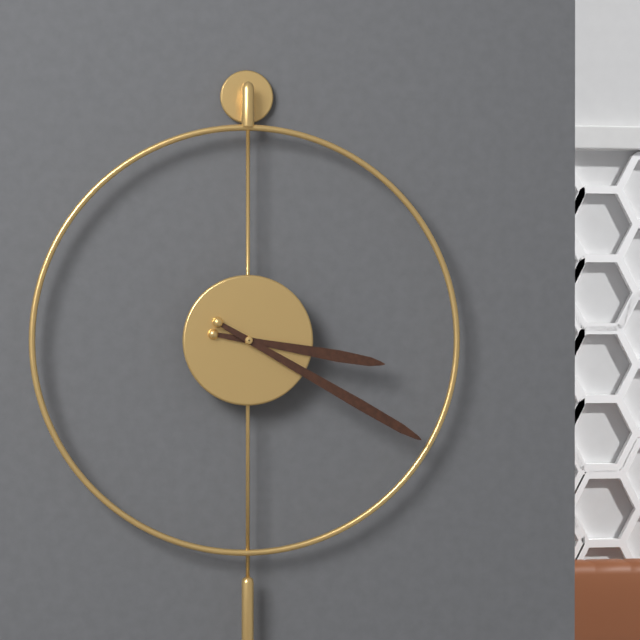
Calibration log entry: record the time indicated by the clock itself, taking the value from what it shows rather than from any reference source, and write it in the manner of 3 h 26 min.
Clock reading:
3 h 20 min
